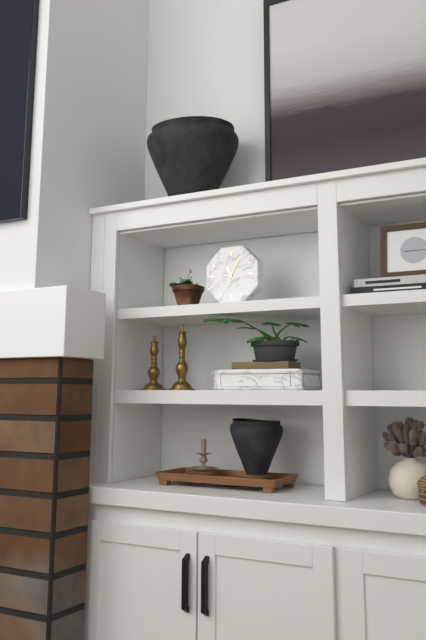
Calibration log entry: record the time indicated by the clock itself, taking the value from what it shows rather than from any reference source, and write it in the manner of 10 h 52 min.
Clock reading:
11 h 05 min
